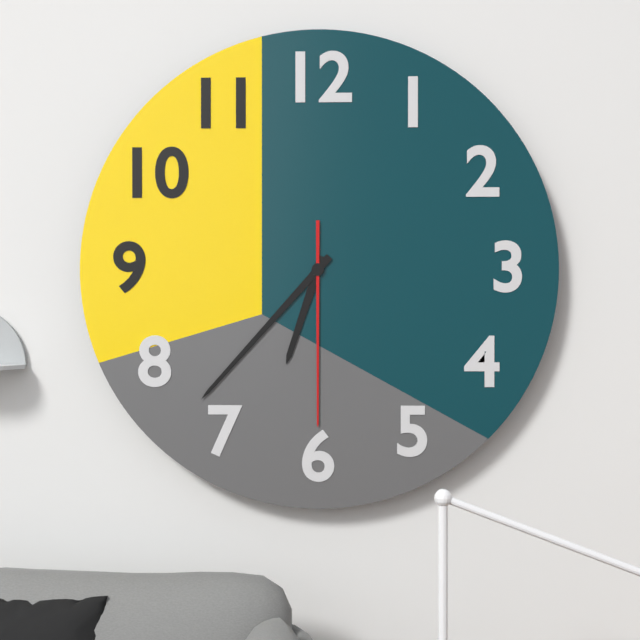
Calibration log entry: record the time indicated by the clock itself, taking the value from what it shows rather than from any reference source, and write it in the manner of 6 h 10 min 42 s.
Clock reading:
6 h 37 min 30 s
